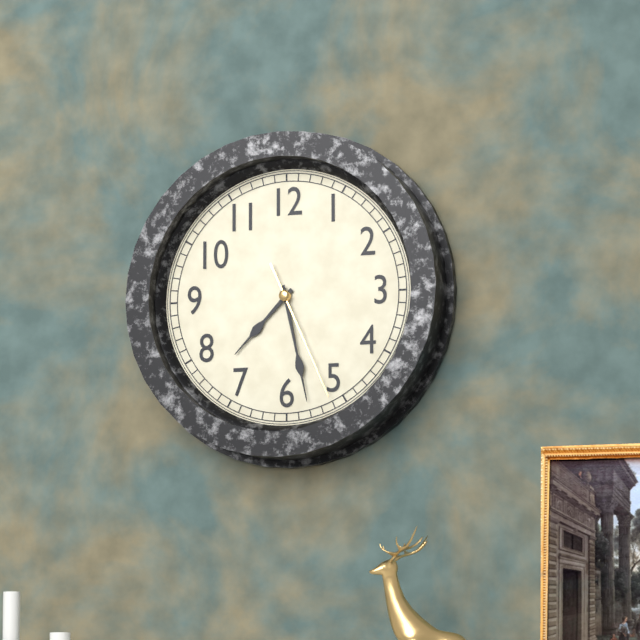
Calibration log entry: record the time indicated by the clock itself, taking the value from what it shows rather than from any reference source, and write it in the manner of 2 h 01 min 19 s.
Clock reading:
7 h 28 min 26 s
